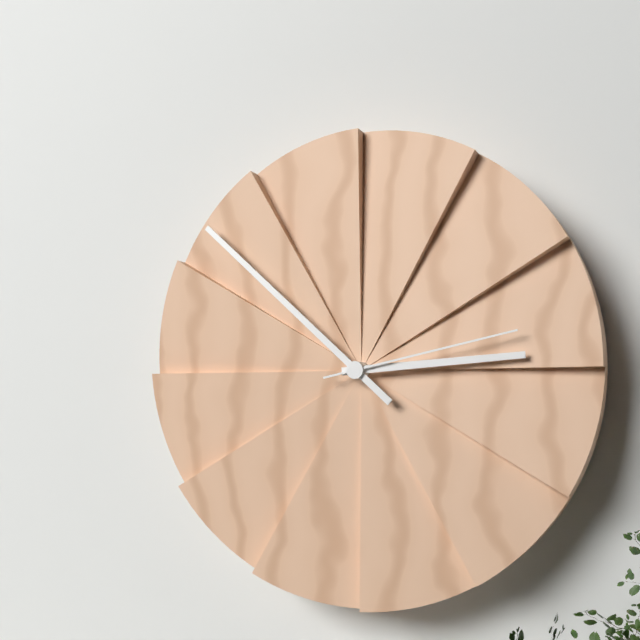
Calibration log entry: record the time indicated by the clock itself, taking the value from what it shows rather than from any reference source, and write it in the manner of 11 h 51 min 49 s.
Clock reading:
2 h 52 min 13 s
